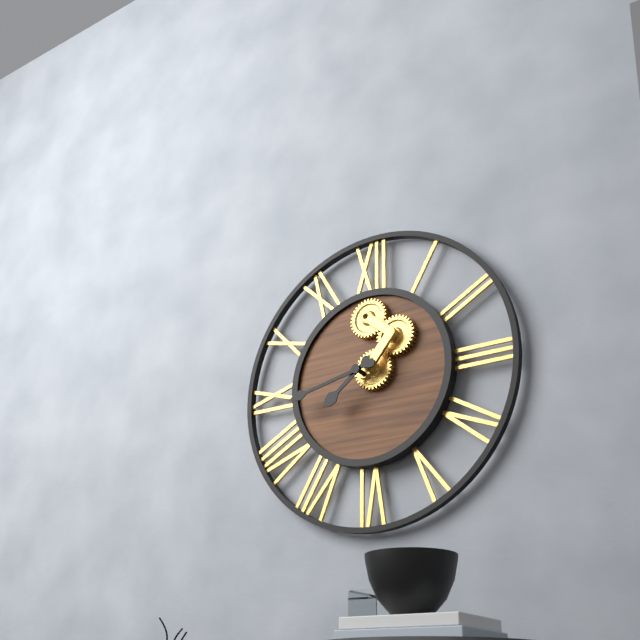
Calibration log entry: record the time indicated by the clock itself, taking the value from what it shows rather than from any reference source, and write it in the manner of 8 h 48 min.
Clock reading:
7 h 43 min
